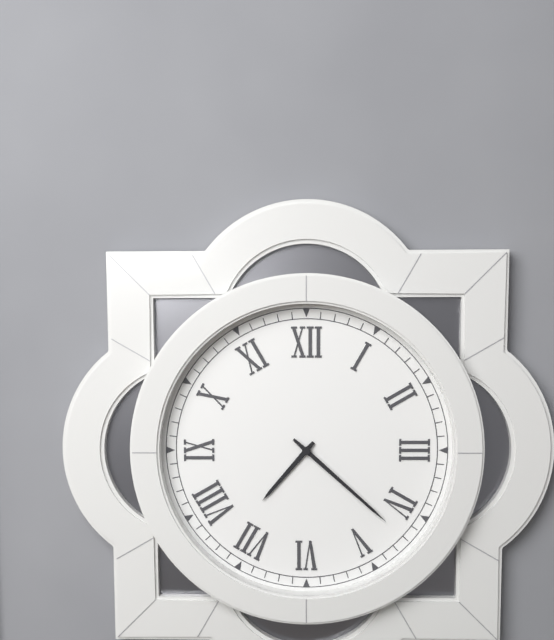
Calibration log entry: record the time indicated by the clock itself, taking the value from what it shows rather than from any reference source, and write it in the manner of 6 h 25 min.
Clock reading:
7 h 22 min
